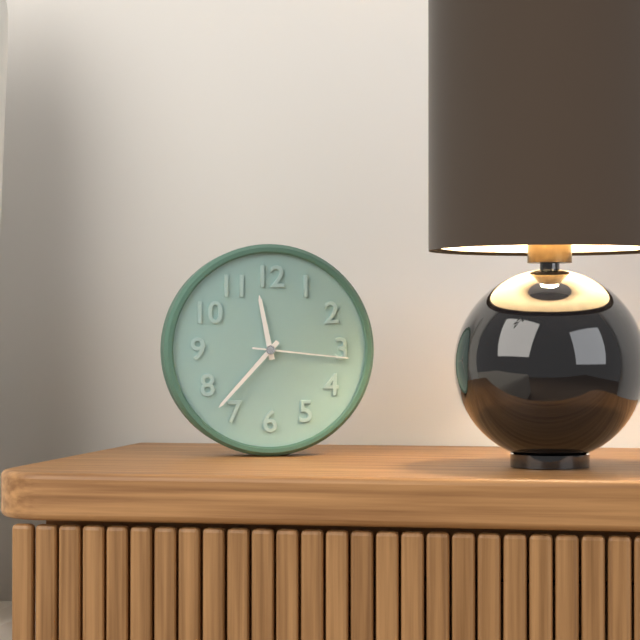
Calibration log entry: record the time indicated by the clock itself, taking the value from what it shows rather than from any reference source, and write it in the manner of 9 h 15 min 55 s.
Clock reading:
11 h 37 min 16 s
